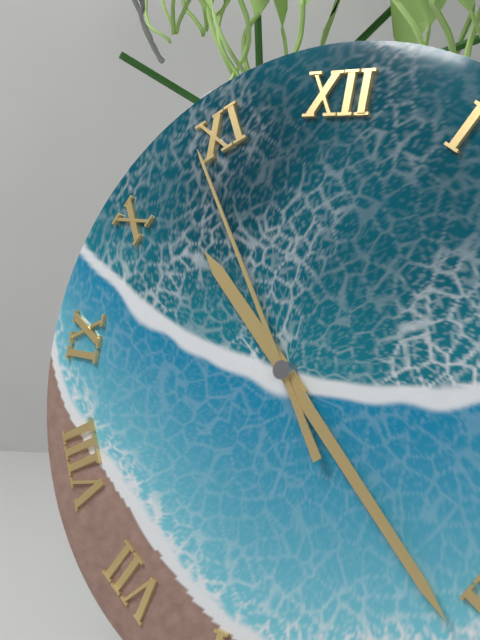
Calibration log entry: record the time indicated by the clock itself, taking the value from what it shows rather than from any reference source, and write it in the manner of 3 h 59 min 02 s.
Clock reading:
10 h 22 min 54 s
